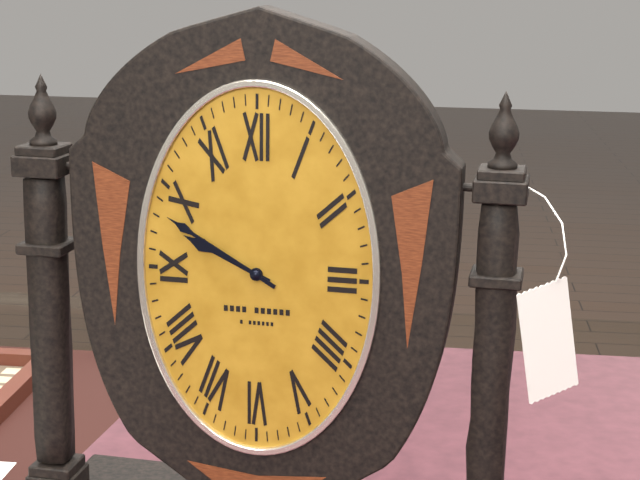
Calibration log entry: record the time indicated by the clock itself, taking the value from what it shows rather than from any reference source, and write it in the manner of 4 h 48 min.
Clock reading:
9 h 50 min
